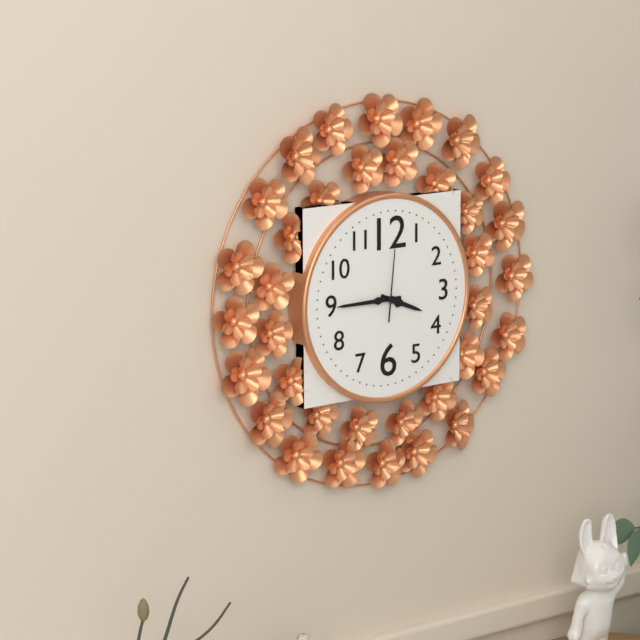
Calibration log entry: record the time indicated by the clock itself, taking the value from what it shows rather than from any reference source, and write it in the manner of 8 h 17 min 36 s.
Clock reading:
3 h 45 min 01 s
